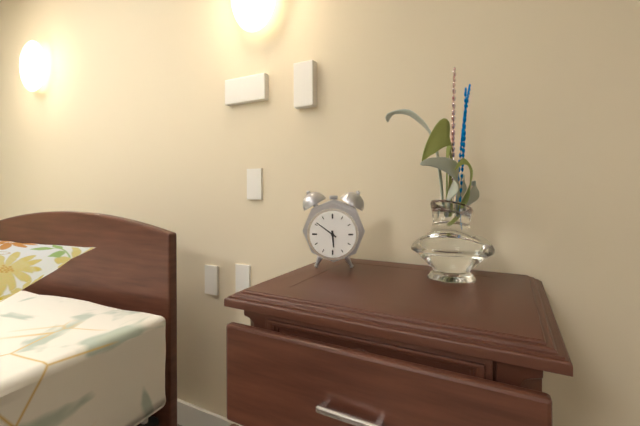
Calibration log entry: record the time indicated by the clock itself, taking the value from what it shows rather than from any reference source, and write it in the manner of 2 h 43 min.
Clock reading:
5 h 51 min
